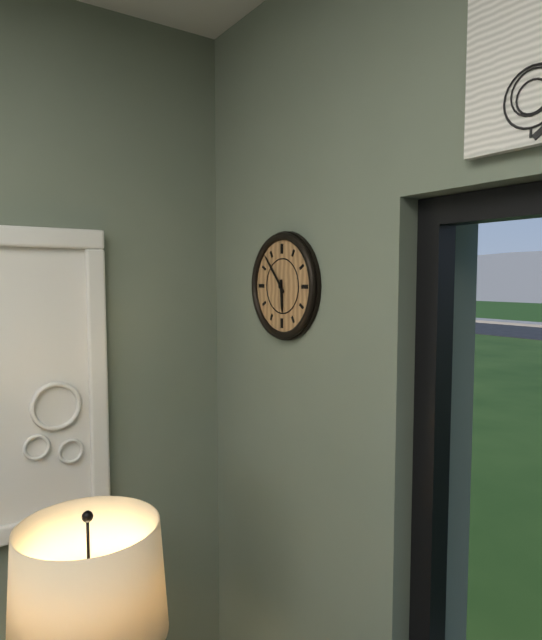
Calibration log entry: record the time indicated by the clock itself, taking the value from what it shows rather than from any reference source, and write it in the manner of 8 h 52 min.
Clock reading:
5 h 53 min
